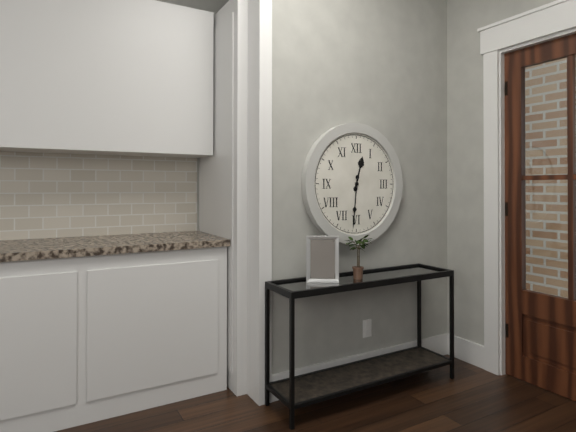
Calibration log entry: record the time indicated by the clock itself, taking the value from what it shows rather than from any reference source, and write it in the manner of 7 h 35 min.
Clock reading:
12 h 31 min
